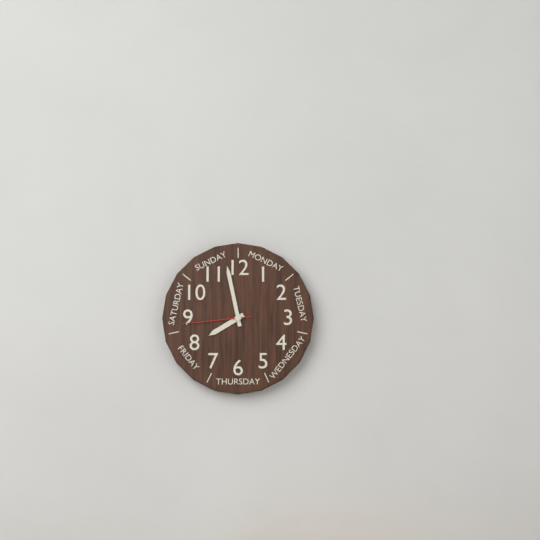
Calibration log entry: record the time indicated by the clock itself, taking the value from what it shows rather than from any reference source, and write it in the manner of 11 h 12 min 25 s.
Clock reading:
7 h 58 min 44 s
